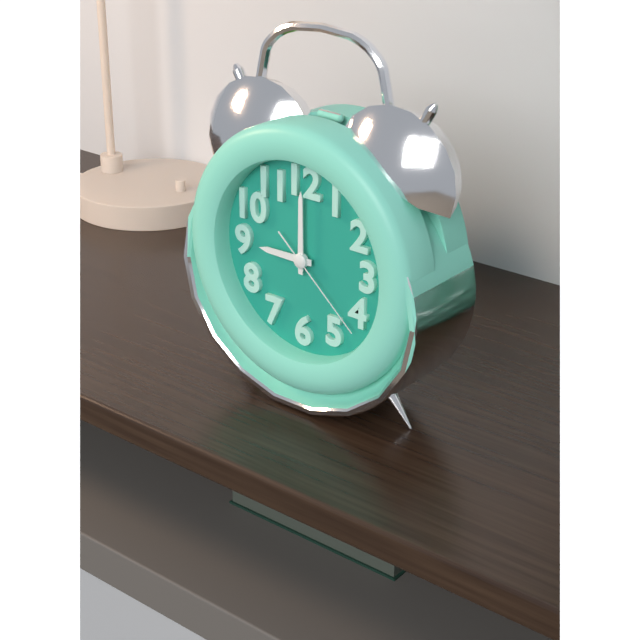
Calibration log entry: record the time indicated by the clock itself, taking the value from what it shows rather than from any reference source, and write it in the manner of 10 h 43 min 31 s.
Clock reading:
9 h 00 min 22 s
